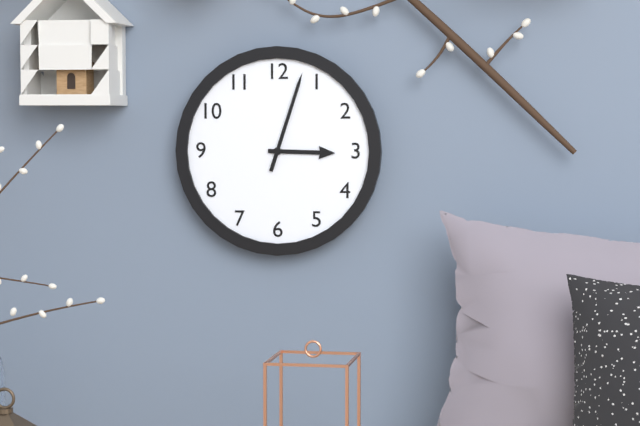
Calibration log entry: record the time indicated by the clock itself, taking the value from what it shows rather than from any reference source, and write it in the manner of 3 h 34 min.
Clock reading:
3 h 03 min
